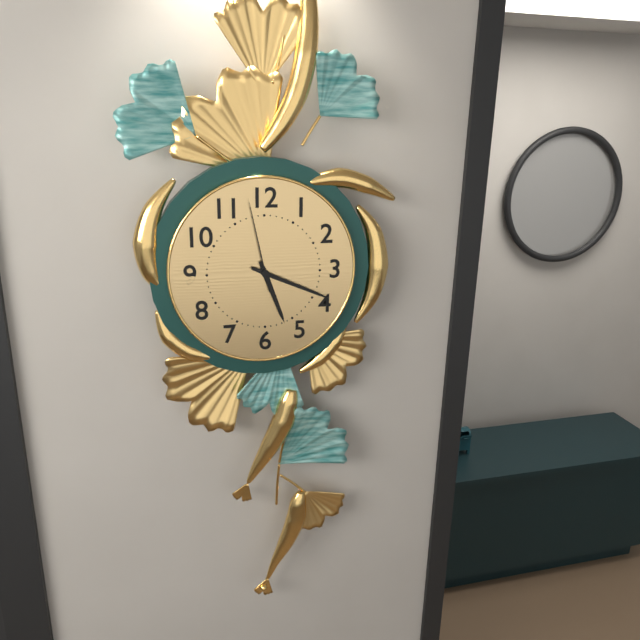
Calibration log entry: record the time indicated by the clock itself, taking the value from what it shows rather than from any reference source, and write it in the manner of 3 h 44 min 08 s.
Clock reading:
5 h 19 min 58 s
